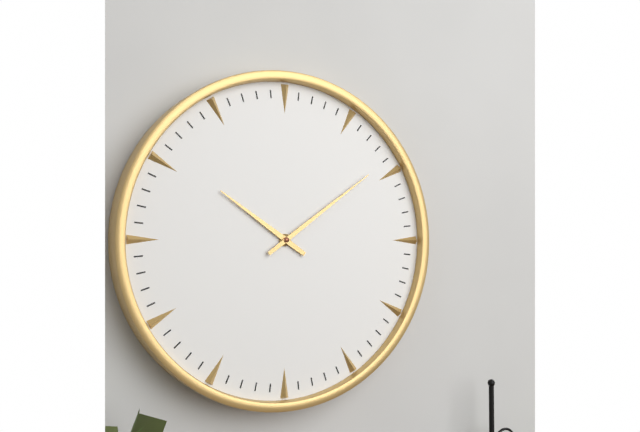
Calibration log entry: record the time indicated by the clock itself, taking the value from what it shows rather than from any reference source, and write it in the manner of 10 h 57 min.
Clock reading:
10 h 09 min
